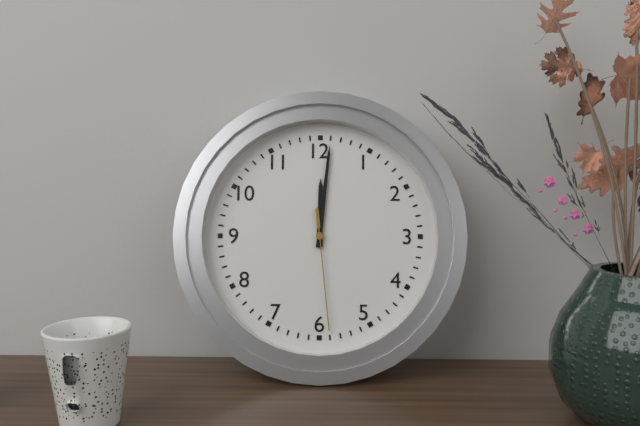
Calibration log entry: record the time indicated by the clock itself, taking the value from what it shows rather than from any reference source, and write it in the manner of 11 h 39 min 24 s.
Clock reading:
12 h 01 min 29 s
